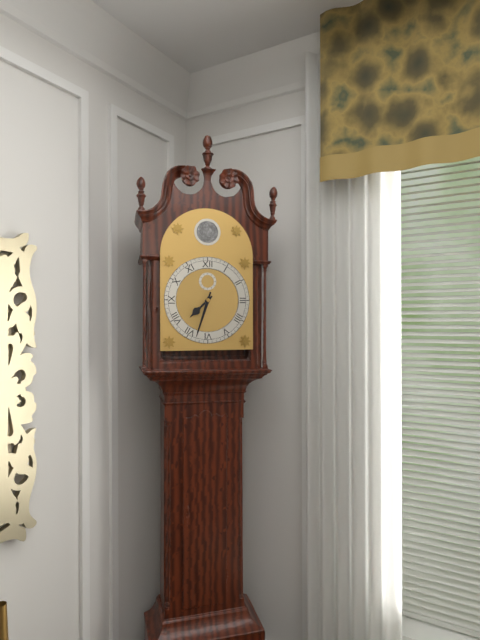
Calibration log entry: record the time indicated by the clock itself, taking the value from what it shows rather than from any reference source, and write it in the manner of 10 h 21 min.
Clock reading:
7 h 33 min
